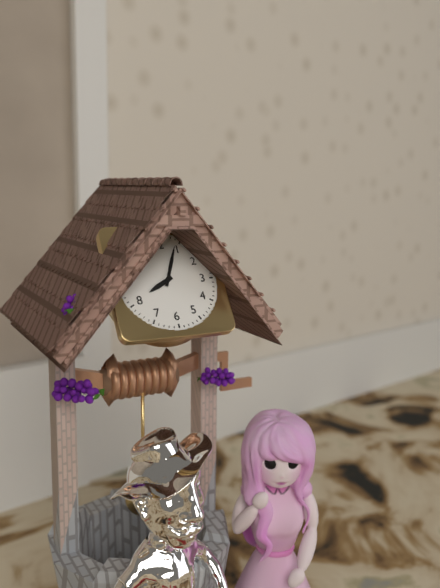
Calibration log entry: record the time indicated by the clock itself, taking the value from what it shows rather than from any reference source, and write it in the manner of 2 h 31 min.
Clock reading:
8 h 04 min
